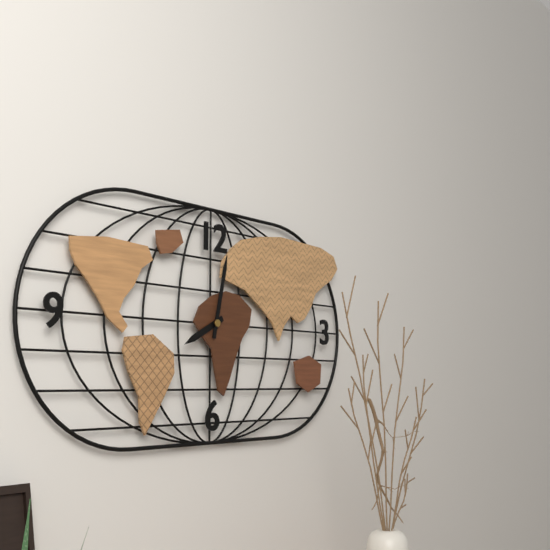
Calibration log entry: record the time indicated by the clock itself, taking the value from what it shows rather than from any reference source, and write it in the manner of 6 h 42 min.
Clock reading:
8 h 02 min
